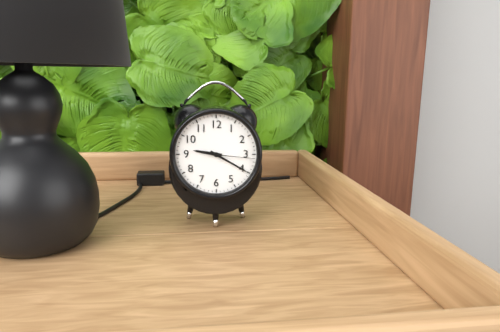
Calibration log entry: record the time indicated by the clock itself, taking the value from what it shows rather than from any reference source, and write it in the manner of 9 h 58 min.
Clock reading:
9 h 20 min
